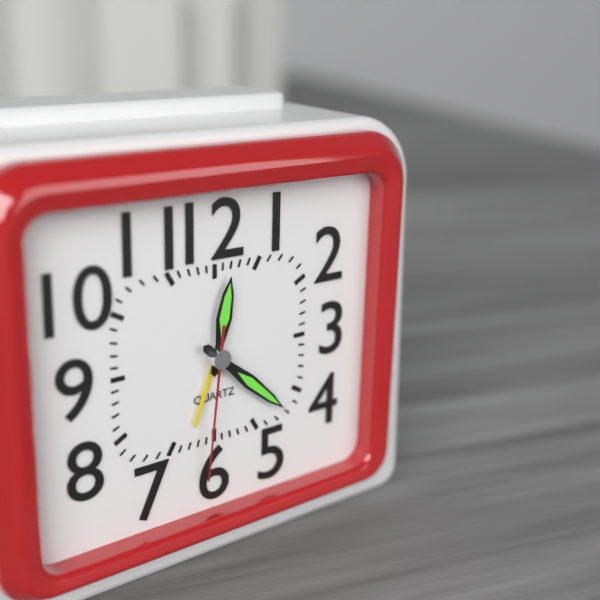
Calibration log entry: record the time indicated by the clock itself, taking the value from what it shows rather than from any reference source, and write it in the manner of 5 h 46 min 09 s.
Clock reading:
12 h 22 min 31 s
